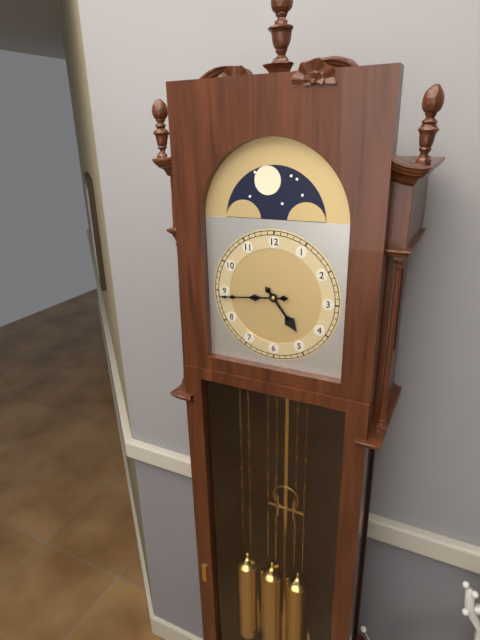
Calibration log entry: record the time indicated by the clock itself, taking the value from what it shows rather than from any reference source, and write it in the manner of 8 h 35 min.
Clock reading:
4 h 44 min
